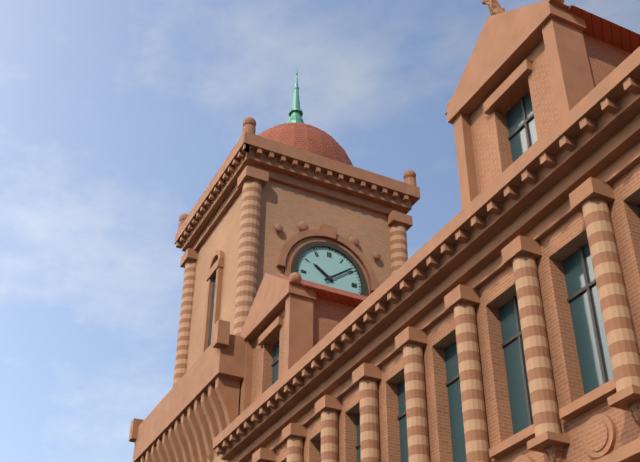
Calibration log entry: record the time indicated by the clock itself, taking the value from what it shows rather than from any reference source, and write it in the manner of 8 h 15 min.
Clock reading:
10 h 09 min
